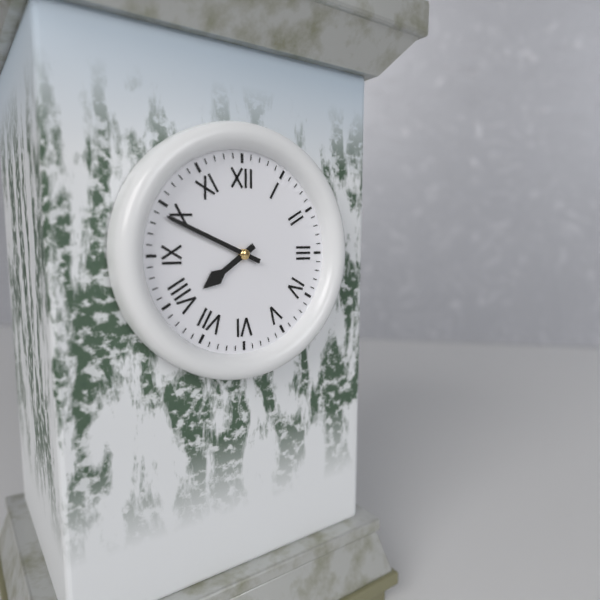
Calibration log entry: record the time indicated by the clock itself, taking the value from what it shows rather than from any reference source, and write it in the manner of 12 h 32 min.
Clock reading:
7 h 49 min
